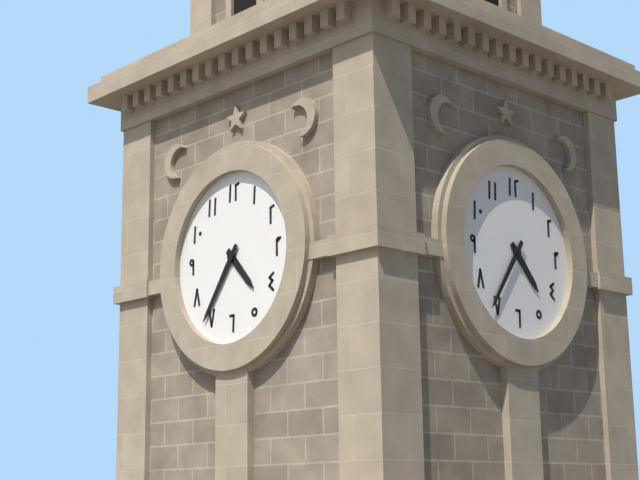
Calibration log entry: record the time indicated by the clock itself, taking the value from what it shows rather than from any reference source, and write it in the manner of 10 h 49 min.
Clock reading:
4 h 36 min
